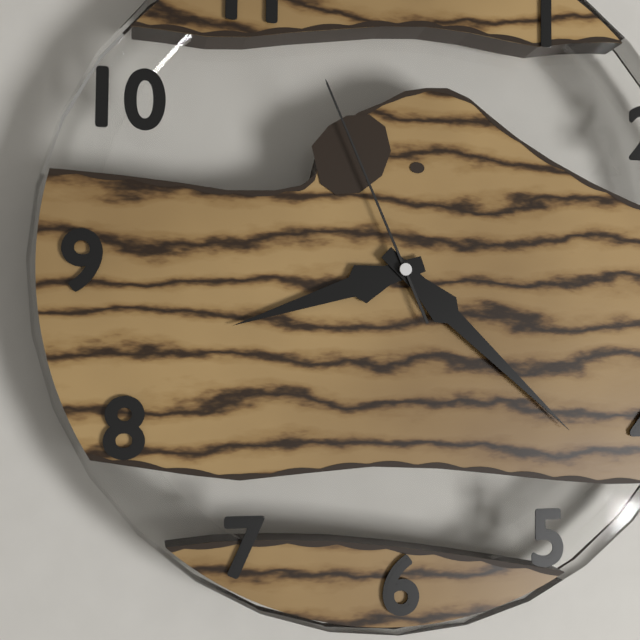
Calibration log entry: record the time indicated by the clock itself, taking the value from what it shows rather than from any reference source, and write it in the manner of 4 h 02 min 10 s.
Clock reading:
8 h 22 min 56 s
